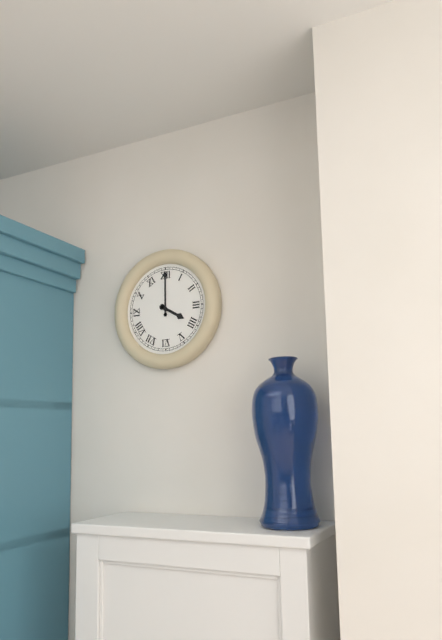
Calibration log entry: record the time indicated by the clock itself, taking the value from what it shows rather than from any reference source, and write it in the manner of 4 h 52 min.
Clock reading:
4 h 00 min
